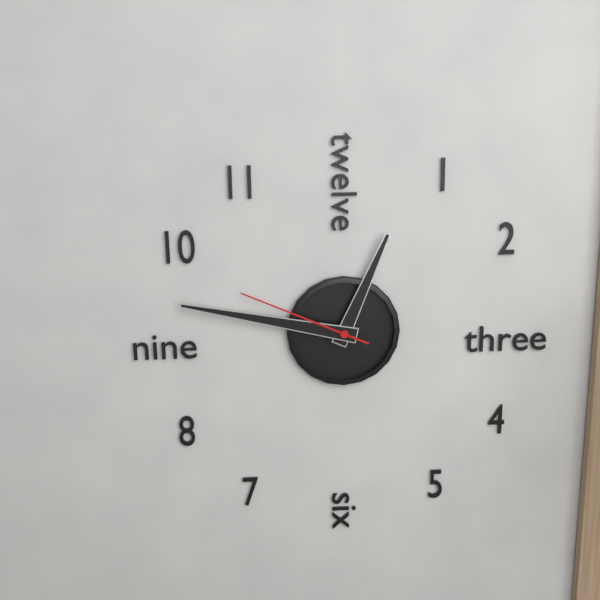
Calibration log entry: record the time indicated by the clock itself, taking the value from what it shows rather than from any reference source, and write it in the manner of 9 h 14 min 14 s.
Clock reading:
12 h 47 min 49 s
